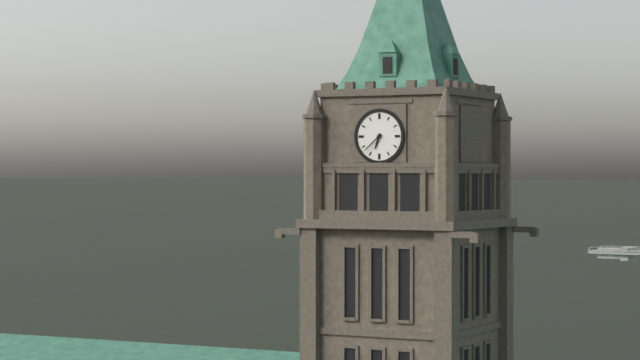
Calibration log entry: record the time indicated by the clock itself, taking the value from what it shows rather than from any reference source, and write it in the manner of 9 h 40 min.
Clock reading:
6 h 38 min
